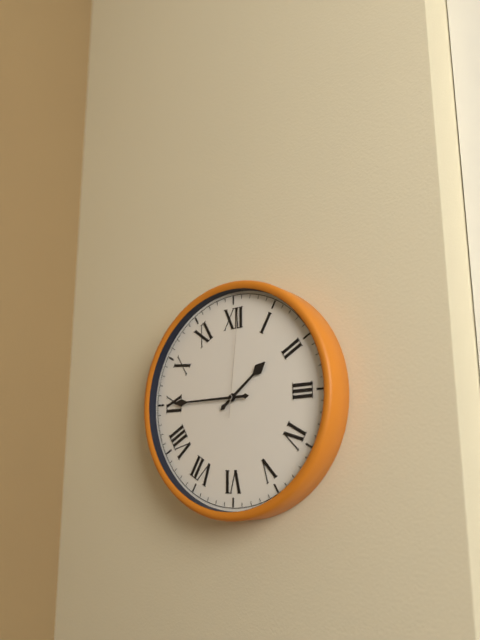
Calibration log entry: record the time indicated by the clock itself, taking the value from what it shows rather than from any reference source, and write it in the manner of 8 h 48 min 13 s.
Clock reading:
1 h 45 min 01 s
